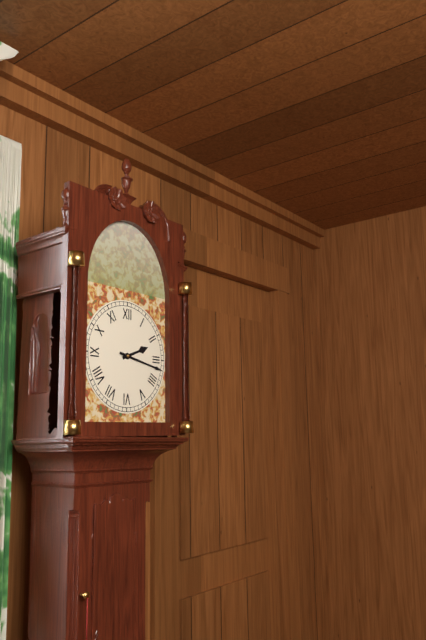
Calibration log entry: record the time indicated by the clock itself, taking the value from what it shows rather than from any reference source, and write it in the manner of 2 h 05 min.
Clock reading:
2 h 17 min
